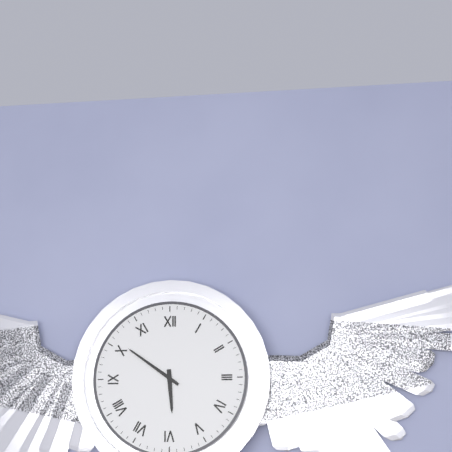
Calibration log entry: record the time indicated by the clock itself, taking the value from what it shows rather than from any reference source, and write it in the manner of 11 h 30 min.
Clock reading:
5 h 51 min
